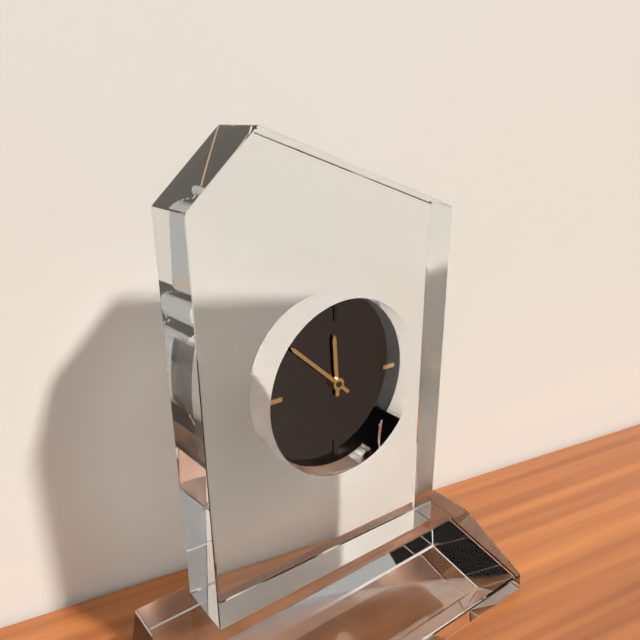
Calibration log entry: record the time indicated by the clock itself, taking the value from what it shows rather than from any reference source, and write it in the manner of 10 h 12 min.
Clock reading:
11 h 52 min
